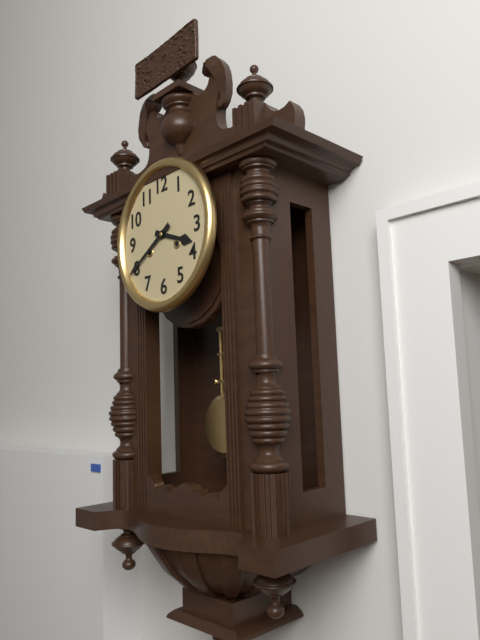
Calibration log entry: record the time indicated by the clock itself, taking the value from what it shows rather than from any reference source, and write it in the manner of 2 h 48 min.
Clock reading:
3 h 40 min
